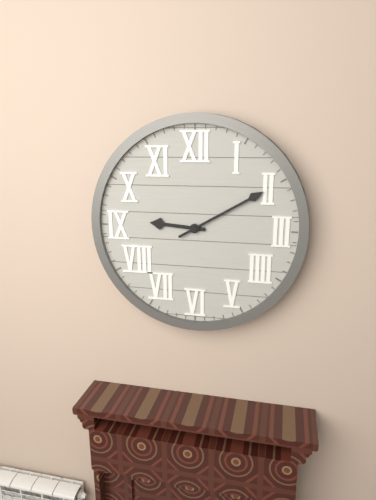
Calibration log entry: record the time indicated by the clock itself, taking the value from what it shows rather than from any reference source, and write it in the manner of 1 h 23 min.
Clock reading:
9 h 10 min
